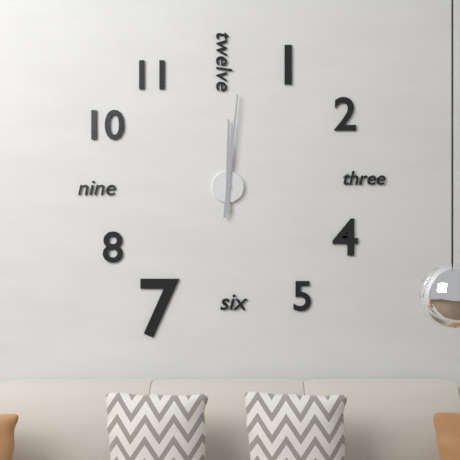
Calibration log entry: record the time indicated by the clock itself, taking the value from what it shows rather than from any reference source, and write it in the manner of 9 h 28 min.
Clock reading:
12 h 01 min
